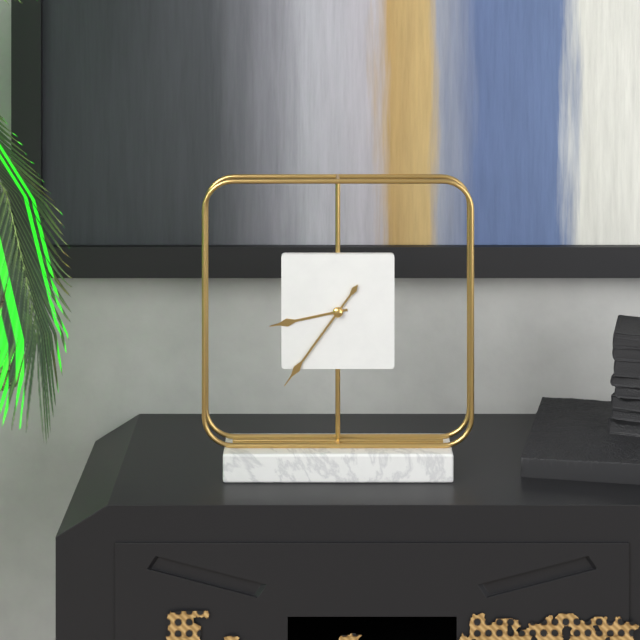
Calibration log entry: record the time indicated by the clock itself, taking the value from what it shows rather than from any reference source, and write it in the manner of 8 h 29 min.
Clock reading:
8 h 36 min
